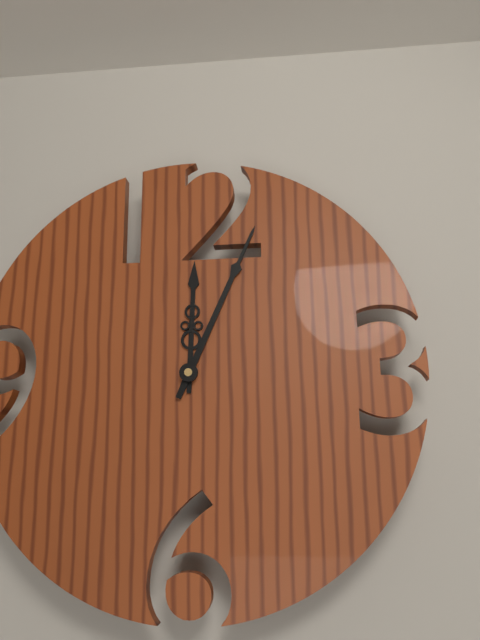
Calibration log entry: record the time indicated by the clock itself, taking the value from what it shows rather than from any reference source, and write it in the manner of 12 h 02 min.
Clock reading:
12 h 04 min
